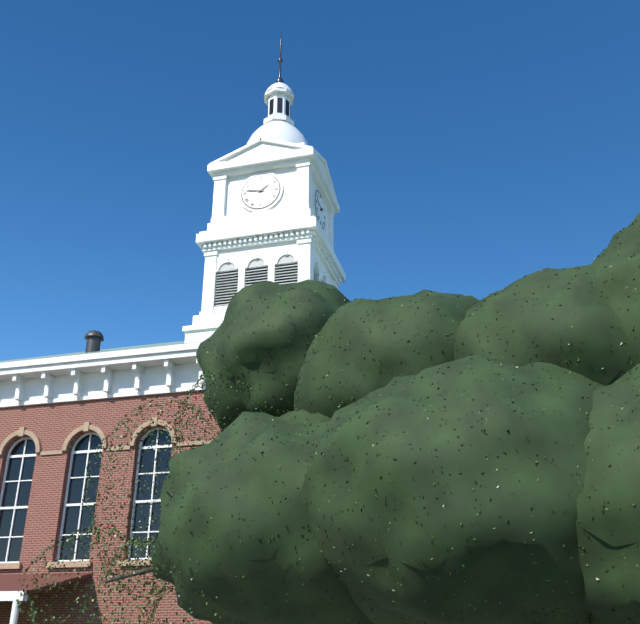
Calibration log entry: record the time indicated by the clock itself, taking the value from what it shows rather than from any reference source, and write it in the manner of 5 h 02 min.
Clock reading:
1 h 47 min
